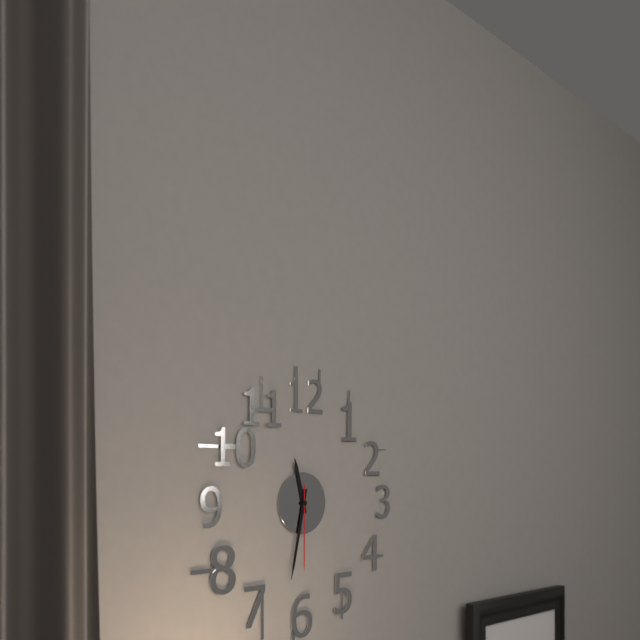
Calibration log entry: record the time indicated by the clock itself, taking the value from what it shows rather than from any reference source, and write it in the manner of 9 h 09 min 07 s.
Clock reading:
11 h 32 min 30 s
